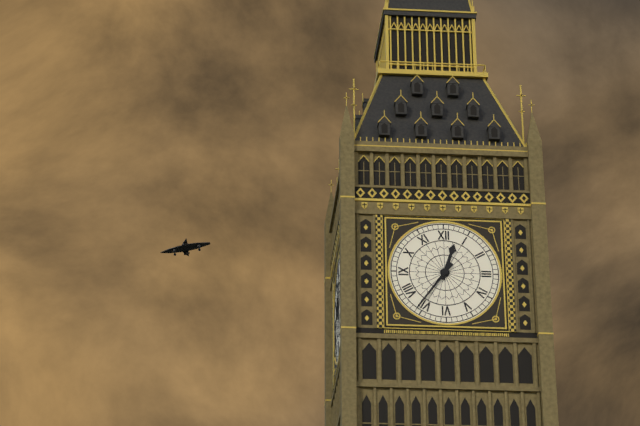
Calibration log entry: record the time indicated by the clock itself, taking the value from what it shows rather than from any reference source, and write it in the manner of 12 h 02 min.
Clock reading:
12 h 36 min
